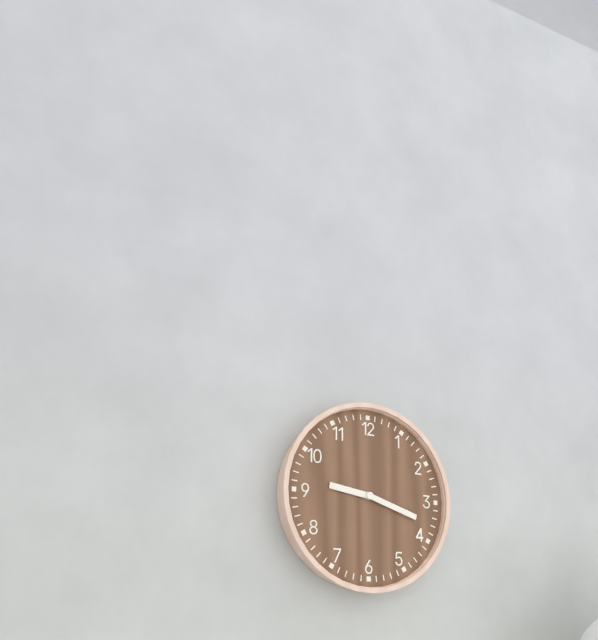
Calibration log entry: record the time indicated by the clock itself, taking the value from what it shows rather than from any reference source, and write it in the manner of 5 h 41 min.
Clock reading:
9 h 18 min
